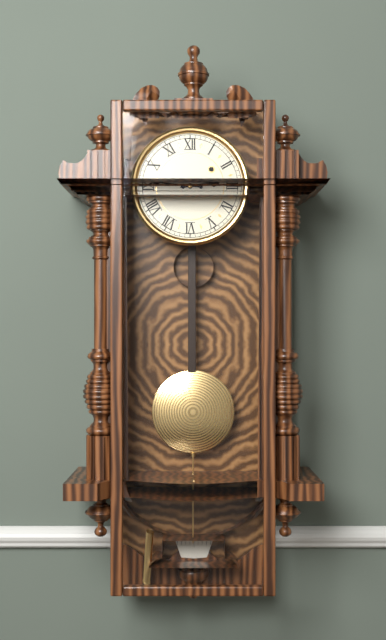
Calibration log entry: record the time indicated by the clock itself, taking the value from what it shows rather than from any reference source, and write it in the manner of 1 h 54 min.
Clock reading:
2 h 46 min
